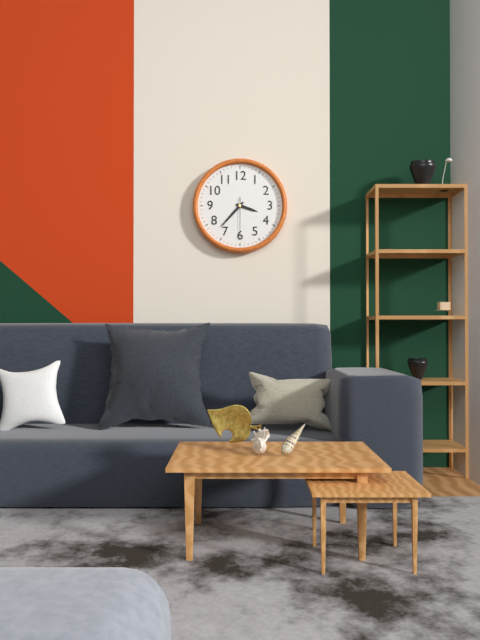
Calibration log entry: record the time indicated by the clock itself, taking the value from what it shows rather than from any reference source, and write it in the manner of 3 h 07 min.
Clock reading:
3 h 37 min
